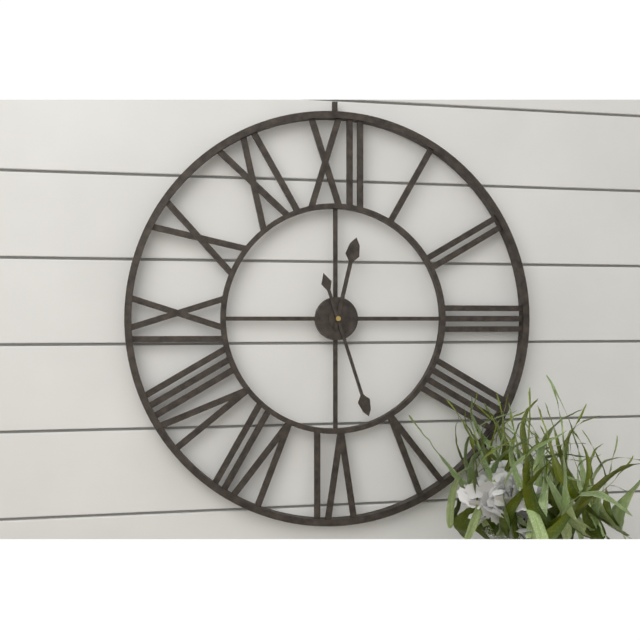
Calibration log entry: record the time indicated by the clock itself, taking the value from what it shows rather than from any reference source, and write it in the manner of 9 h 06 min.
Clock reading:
12 h 27 min
